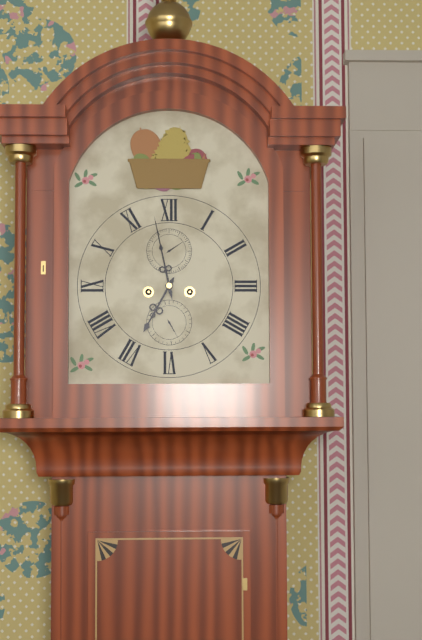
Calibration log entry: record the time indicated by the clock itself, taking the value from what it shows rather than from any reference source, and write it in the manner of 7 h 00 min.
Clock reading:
6 h 58 min
